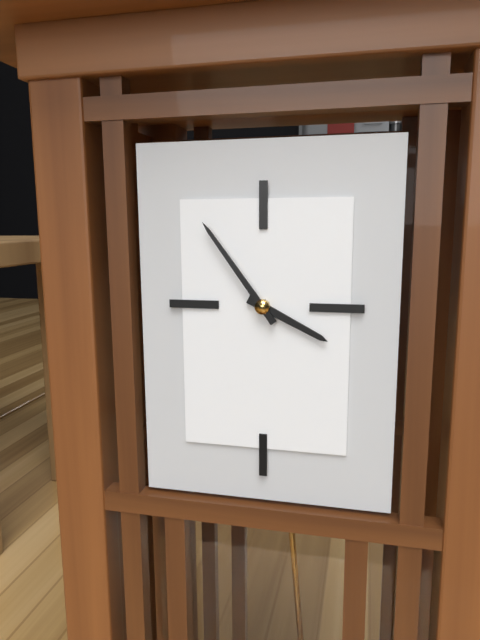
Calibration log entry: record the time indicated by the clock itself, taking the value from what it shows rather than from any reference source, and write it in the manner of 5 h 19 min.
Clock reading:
3 h 54 min
